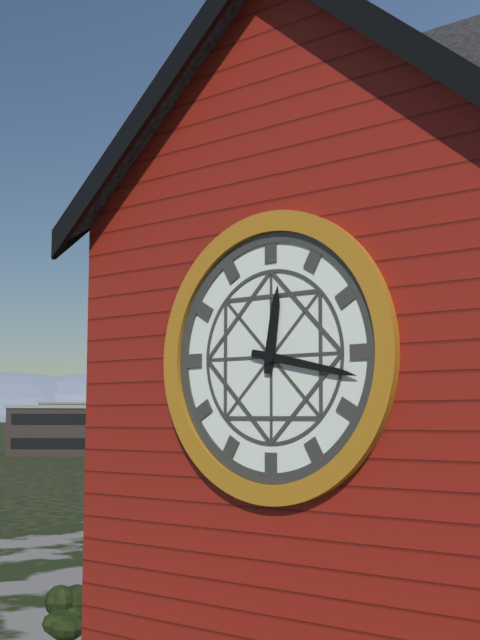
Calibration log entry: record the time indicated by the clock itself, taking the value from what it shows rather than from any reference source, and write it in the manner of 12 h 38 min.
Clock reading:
12 h 17 min
